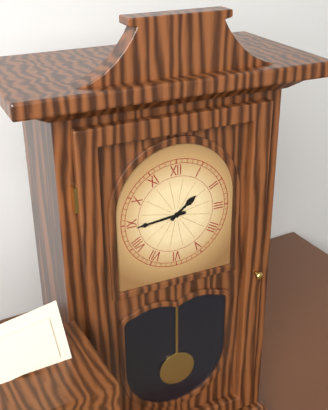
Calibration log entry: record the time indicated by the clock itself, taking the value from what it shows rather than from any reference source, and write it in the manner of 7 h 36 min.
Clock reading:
1 h 44 min
